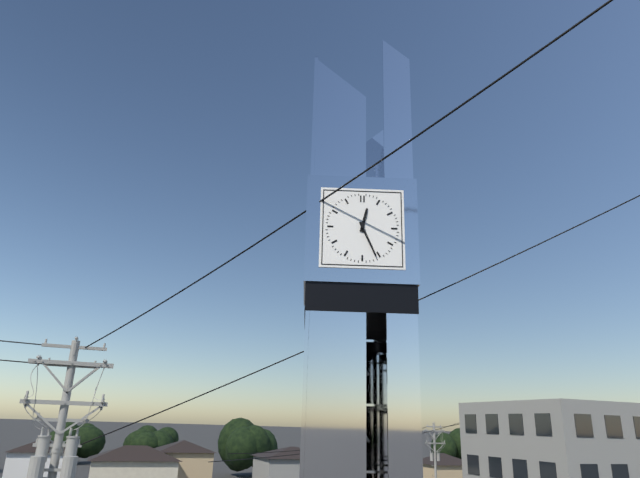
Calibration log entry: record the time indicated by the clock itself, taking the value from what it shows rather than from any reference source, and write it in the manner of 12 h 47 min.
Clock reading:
12 h 26 min
